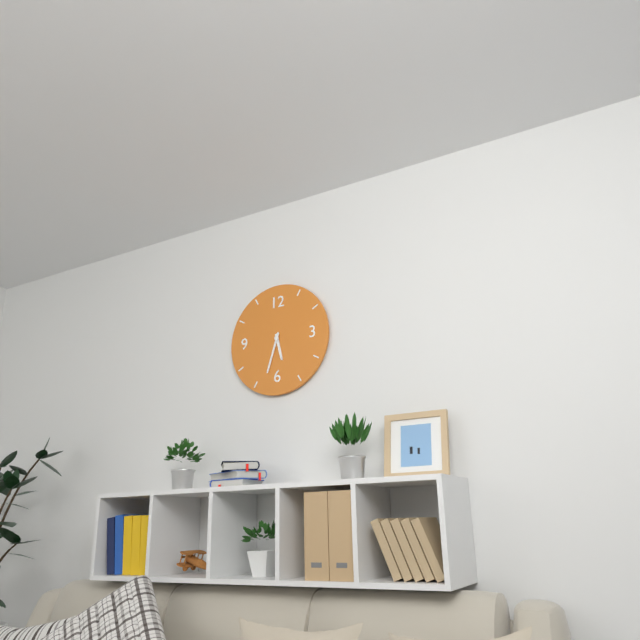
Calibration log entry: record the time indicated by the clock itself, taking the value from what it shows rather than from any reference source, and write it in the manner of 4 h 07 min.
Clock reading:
5 h 33 min
